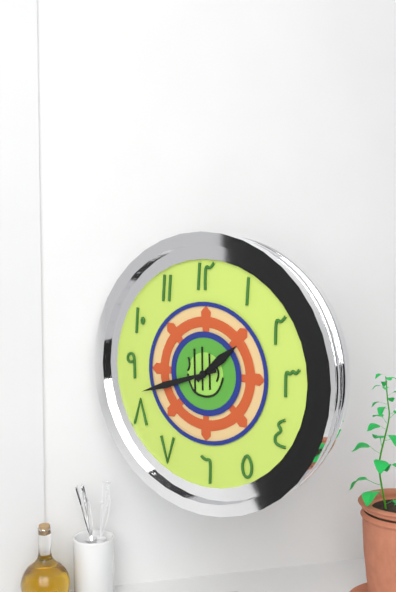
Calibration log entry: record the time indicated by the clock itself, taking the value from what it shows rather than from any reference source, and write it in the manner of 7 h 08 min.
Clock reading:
1 h 42 min
